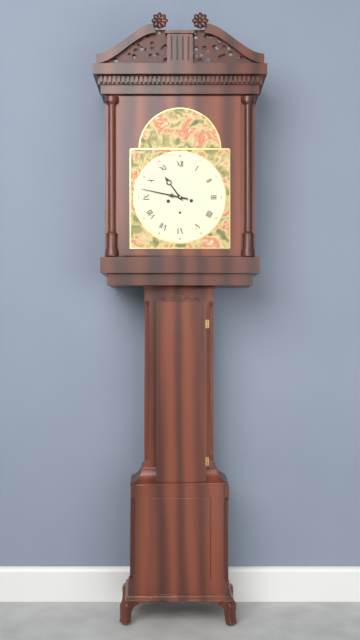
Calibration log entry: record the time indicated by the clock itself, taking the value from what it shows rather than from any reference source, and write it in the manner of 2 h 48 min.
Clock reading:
10 h 47 min
